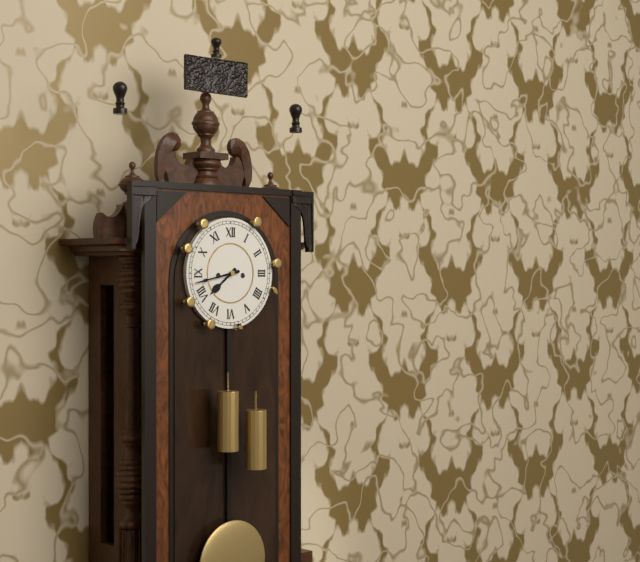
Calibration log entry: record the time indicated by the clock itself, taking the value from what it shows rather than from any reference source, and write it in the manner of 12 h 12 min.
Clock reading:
7 h 43 min
